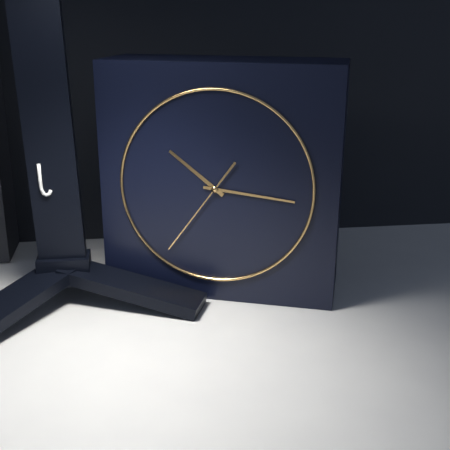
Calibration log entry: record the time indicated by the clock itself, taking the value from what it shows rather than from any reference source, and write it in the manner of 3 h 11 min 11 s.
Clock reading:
10 h 16 min 36 s
